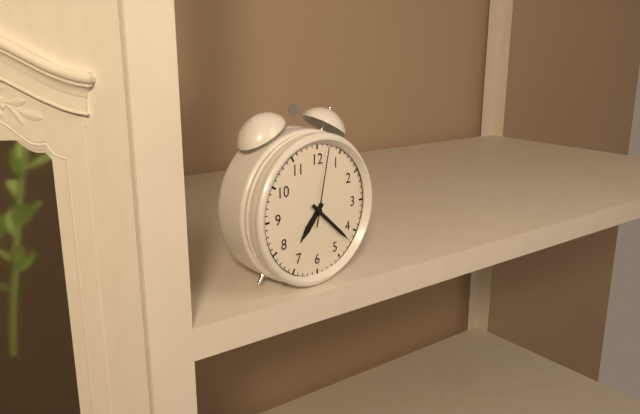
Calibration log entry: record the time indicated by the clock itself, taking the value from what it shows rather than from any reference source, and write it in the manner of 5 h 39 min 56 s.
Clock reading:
7 h 22 min 02 s
